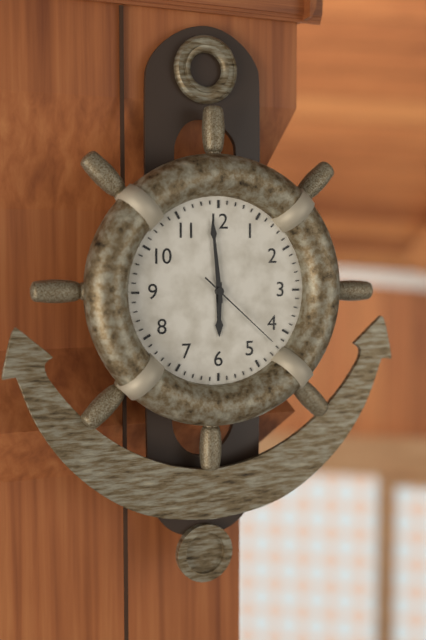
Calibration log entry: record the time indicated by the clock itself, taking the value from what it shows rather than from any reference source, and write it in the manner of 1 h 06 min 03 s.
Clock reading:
5 h 59 min 22 s
